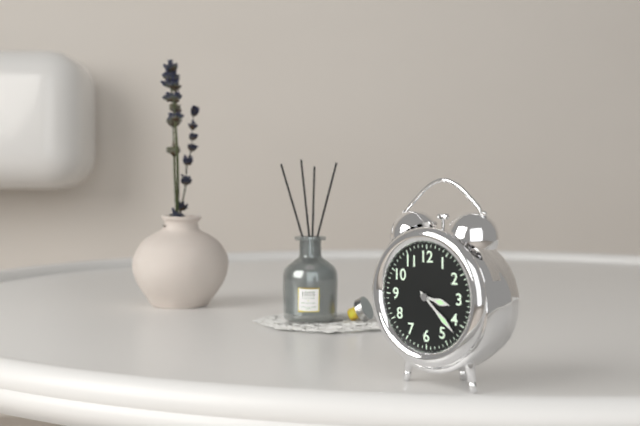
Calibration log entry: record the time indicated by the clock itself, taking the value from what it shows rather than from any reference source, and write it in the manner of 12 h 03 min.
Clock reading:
3 h 22 min
